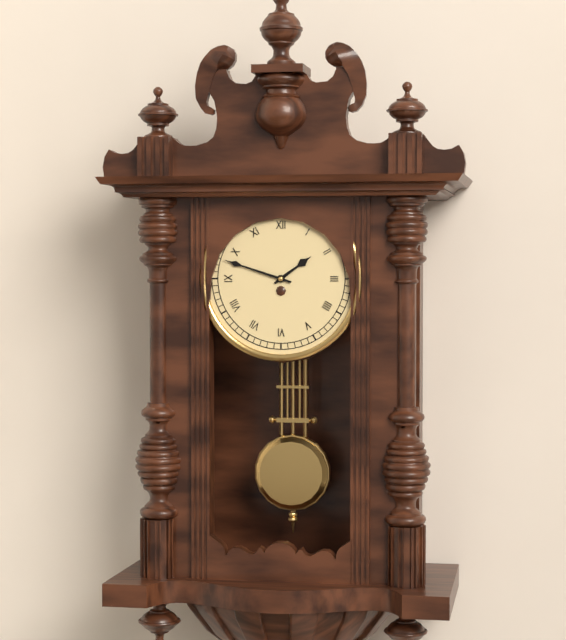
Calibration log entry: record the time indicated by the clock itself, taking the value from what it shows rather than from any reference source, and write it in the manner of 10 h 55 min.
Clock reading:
1 h 48 min
